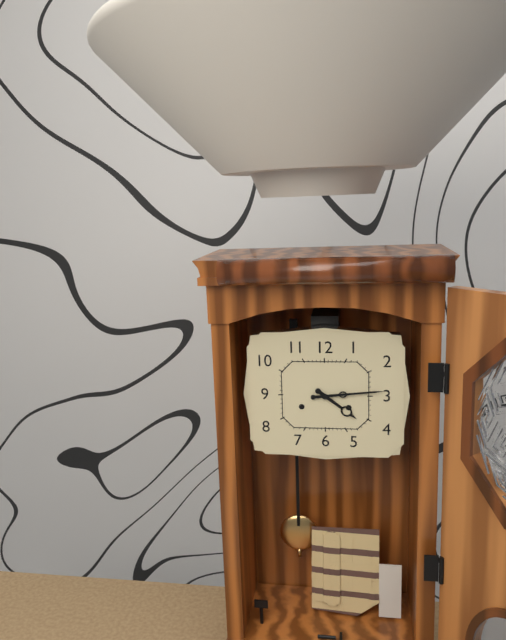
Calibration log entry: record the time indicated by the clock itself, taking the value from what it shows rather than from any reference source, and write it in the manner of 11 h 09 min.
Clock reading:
4 h 14 min
